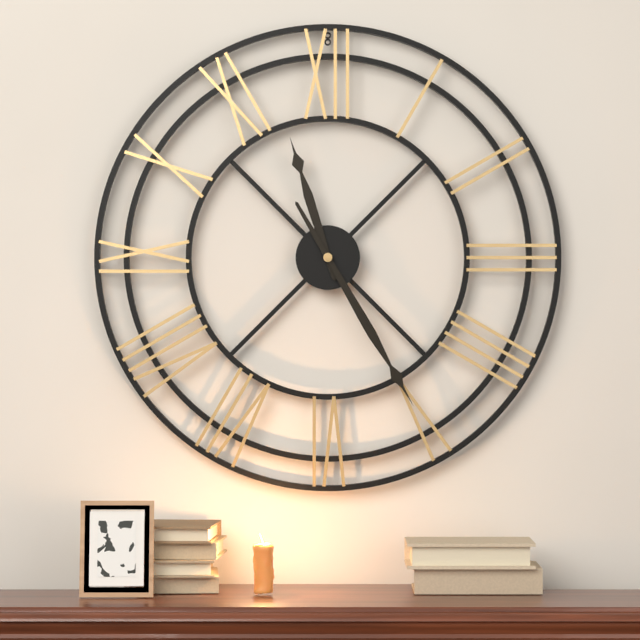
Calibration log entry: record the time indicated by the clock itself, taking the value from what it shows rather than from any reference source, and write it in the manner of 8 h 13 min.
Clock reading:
11 h 25 min
